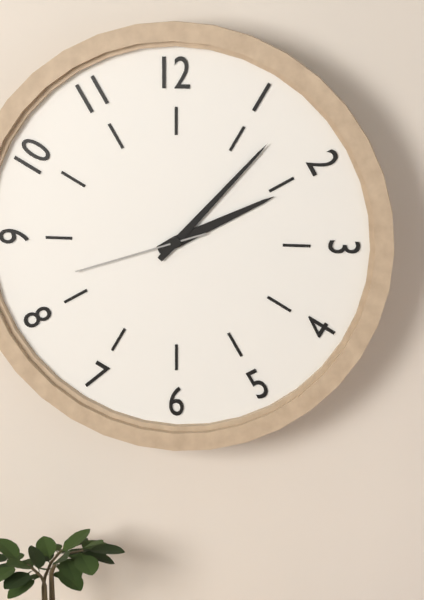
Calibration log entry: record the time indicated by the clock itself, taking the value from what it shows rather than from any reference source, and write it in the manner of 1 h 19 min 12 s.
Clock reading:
2 h 07 min 42 s
